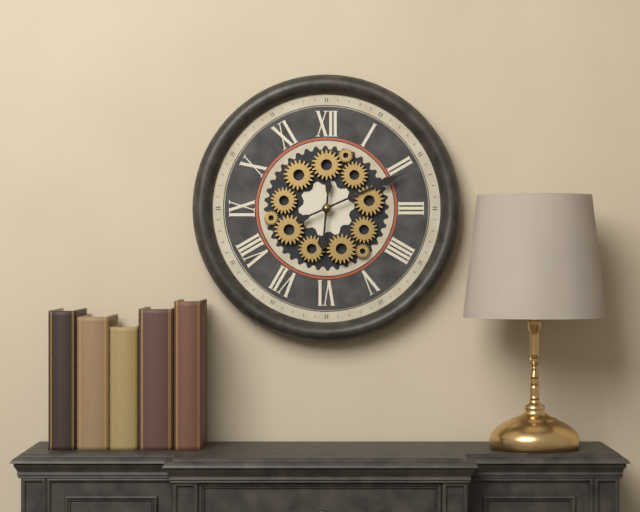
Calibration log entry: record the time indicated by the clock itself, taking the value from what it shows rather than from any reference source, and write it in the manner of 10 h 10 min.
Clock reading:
6 h 11 min
